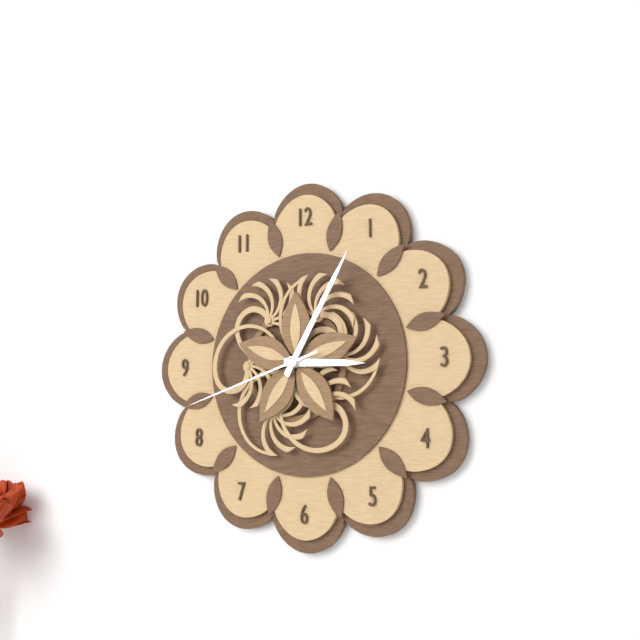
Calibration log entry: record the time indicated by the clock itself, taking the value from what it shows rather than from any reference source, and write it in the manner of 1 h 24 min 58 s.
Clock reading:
3 h 05 min 42 s
